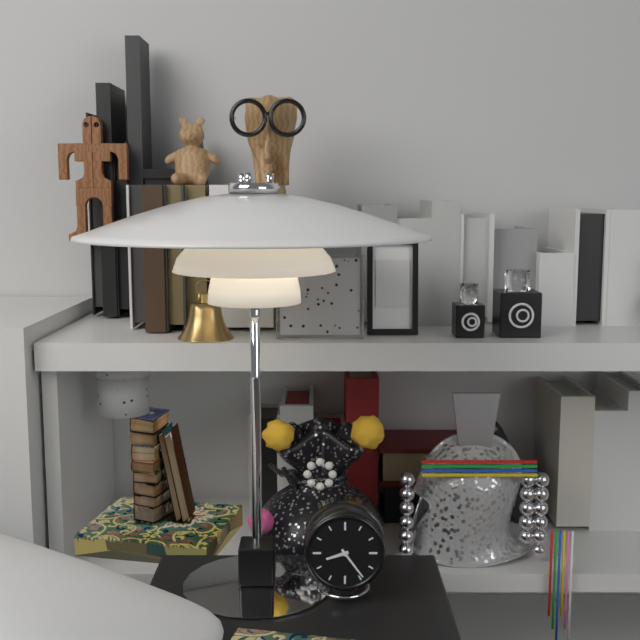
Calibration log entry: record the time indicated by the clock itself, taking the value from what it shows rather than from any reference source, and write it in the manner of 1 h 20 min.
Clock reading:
8 h 24 min
